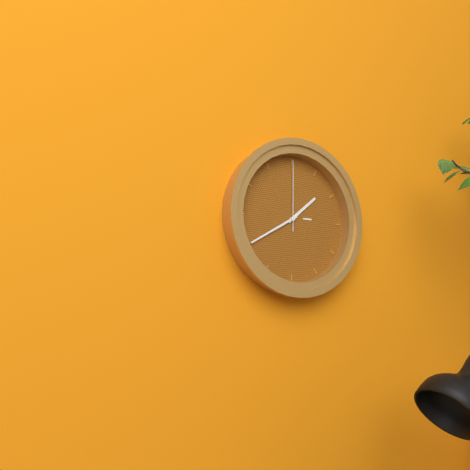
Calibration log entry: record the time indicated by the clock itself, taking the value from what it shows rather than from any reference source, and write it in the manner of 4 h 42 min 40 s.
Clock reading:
1 h 40 min 00 s
